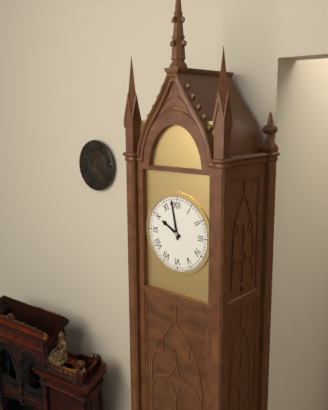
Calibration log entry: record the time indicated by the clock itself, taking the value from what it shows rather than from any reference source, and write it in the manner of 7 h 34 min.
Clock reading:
9 h 58 min
